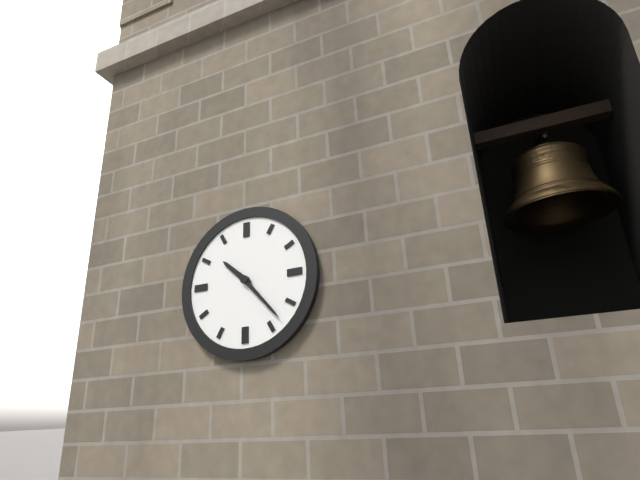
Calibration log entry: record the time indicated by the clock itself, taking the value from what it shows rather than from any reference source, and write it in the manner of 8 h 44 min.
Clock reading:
10 h 23 min
